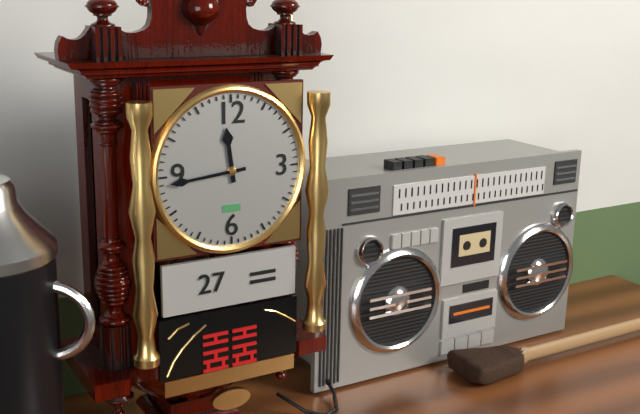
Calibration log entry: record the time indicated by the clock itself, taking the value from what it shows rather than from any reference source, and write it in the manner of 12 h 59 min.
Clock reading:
11 h 44 min
